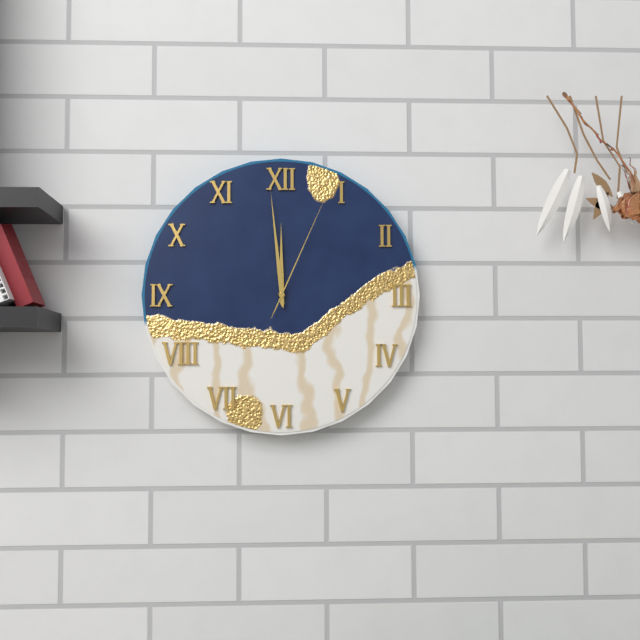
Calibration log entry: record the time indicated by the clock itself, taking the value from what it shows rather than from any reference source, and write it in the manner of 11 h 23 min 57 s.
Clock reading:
11 h 59 min 04 s
